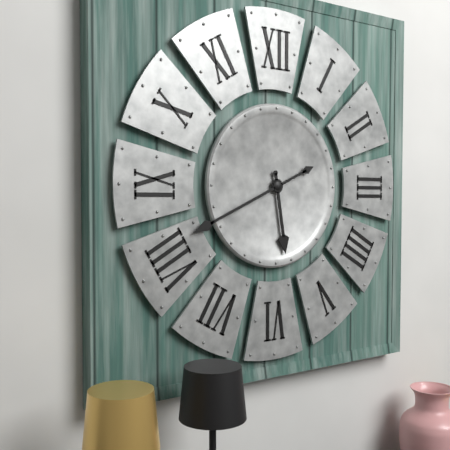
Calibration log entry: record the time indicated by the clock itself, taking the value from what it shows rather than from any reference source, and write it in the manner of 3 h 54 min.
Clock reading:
5 h 41 min
